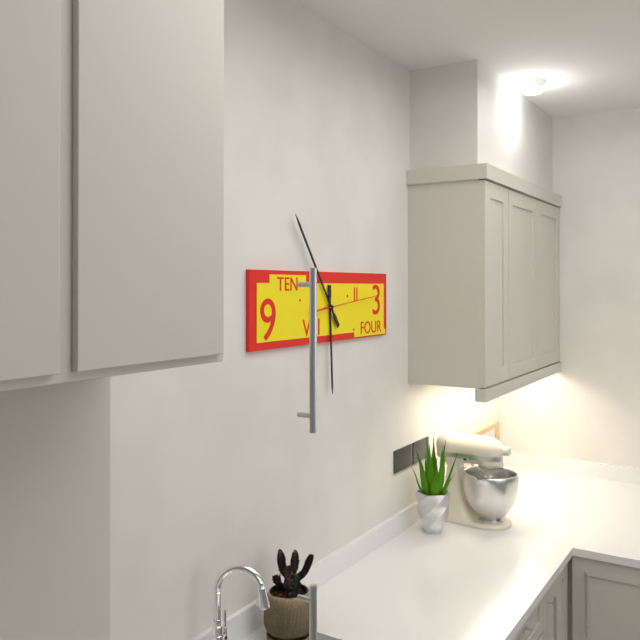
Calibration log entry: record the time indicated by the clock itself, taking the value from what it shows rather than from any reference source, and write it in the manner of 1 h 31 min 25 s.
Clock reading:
5 h 54 min 14 s
